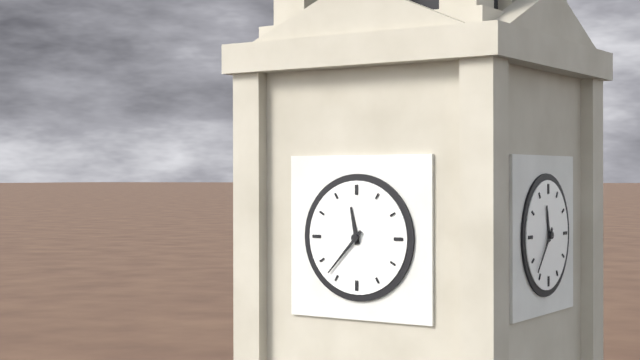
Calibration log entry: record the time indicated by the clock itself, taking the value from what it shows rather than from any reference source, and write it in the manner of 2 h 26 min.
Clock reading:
11 h 37 min
